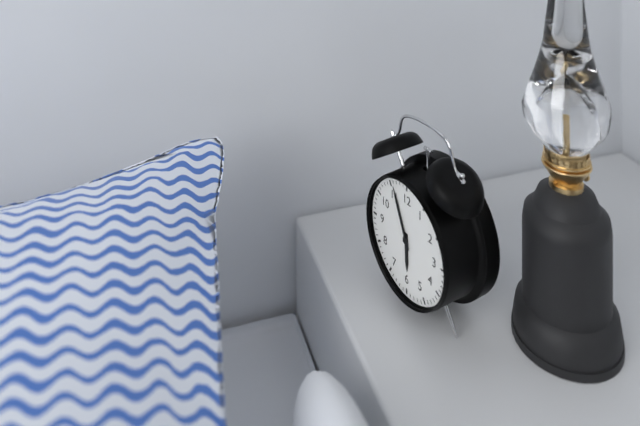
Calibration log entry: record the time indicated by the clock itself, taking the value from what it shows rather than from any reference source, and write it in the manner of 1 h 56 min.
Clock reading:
5 h 56 min
